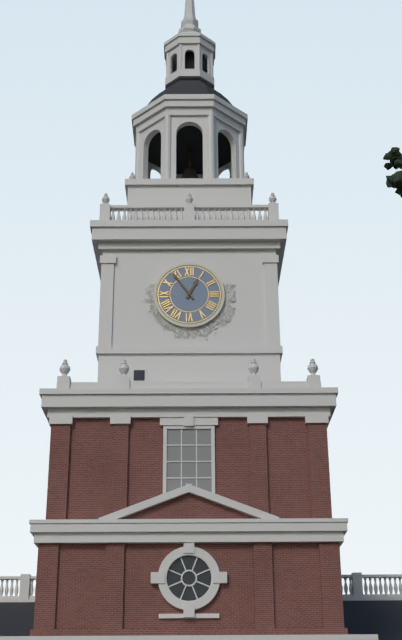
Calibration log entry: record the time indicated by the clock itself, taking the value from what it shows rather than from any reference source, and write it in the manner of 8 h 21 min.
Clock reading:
12 h 54 min
